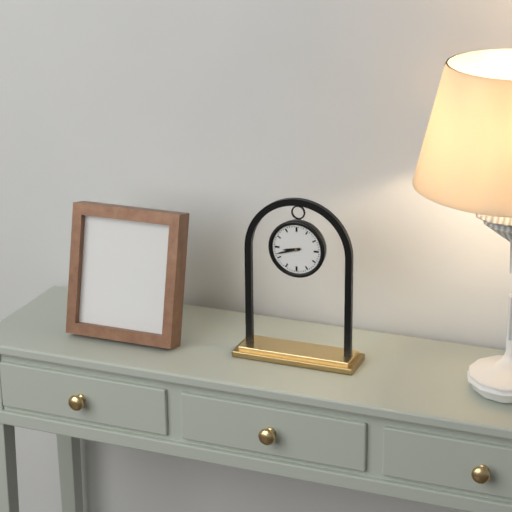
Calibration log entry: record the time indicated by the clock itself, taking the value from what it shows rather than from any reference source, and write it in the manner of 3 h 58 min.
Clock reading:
8 h 42 min
